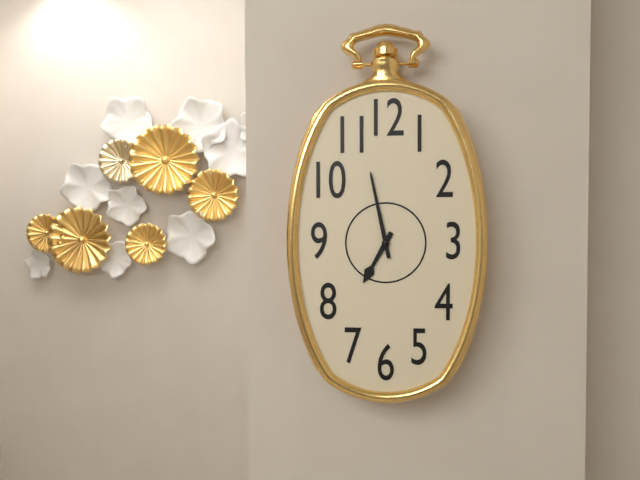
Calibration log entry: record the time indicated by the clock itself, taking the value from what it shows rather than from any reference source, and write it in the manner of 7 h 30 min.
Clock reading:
6 h 58 min
